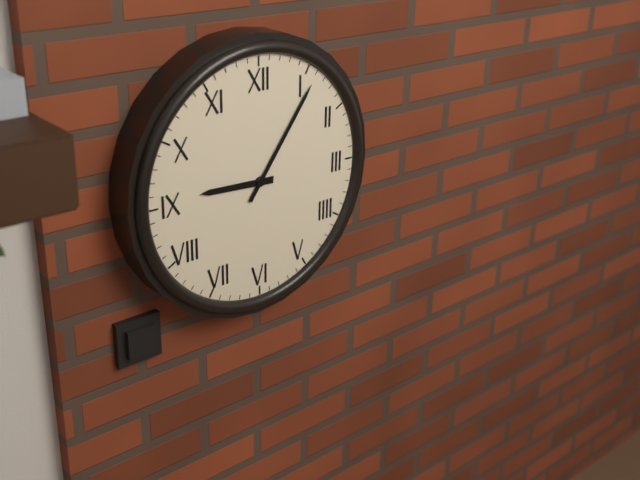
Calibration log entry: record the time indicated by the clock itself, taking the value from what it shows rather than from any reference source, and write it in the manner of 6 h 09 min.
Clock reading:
9 h 06 min
